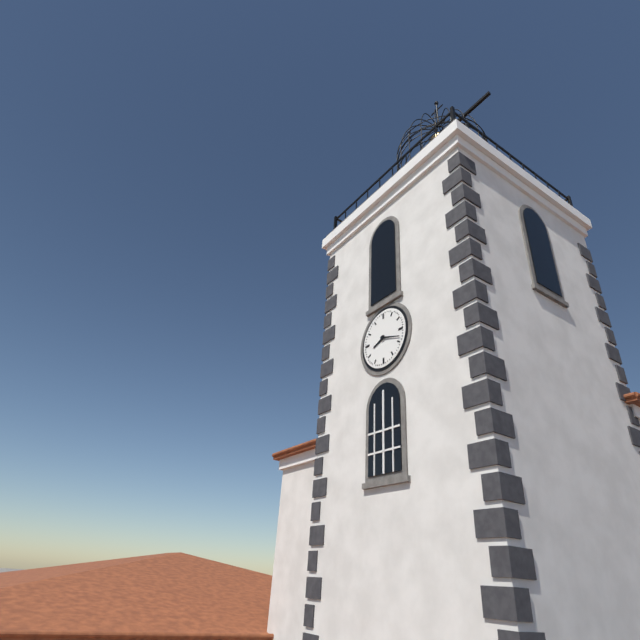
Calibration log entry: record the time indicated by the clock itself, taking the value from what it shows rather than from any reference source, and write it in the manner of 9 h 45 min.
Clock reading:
8 h 18 min
